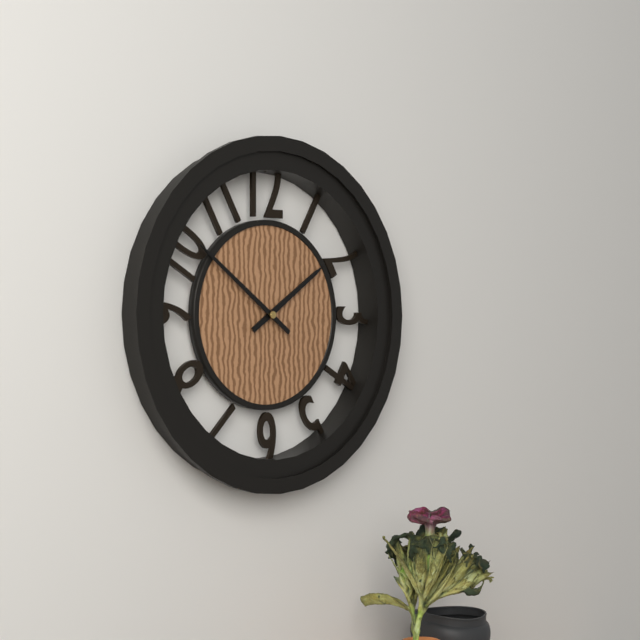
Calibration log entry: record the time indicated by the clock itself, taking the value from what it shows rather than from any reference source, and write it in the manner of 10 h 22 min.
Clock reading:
1 h 51 min
